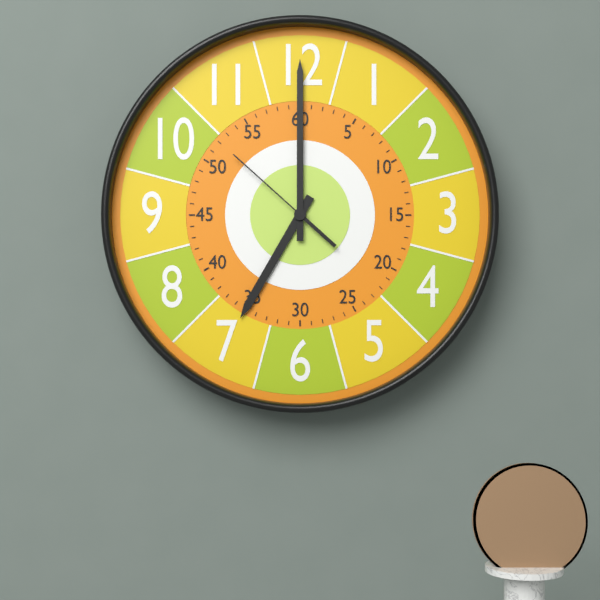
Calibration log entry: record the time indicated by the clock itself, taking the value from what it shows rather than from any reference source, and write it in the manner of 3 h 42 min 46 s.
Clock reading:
7 h 00 min 52 s
